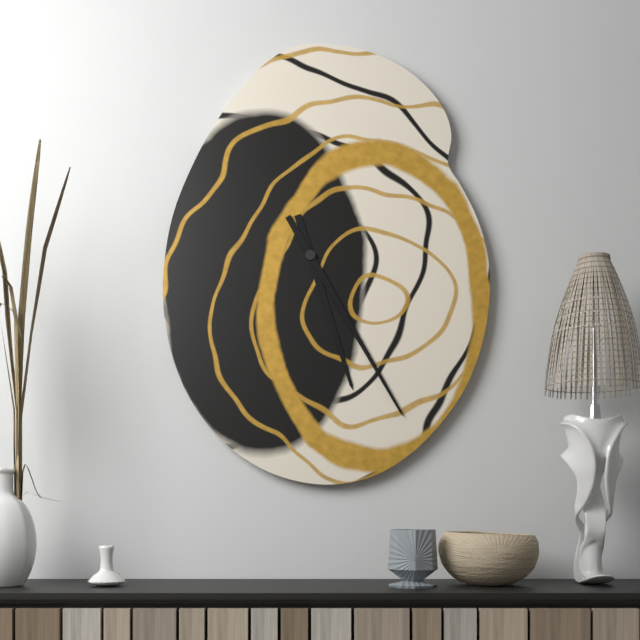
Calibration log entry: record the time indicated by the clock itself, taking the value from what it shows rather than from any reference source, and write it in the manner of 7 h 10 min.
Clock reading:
5 h 25 min
